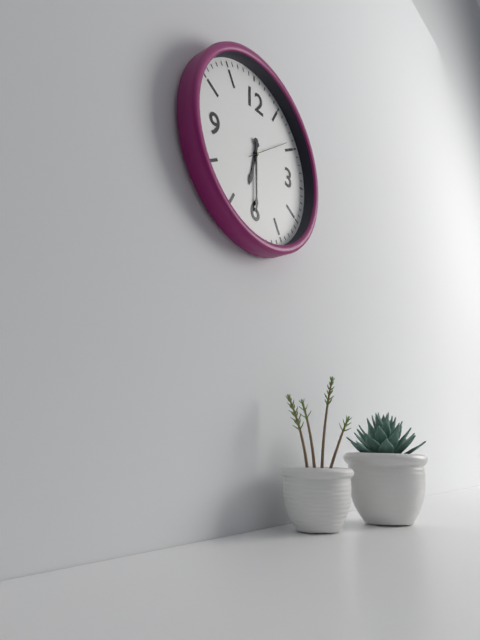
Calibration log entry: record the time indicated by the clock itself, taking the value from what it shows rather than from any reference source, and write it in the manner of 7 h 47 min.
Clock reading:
6 h 30 min
